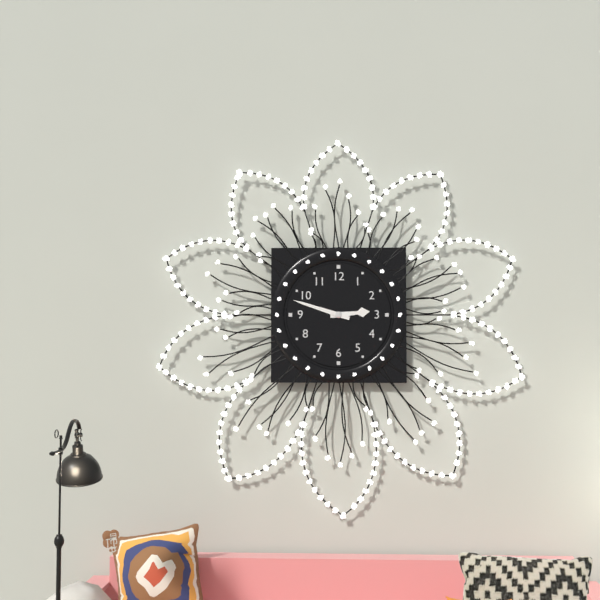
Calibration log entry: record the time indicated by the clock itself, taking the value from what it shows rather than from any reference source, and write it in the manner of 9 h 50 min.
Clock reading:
2 h 48 min
